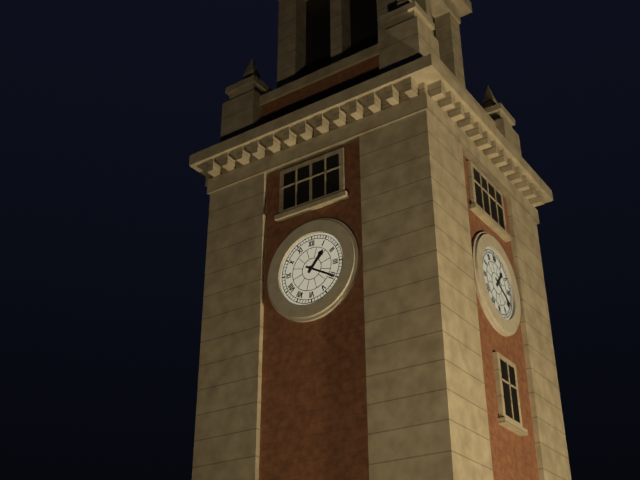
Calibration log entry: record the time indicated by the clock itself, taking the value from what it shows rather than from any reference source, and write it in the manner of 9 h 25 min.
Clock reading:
1 h 20 min
